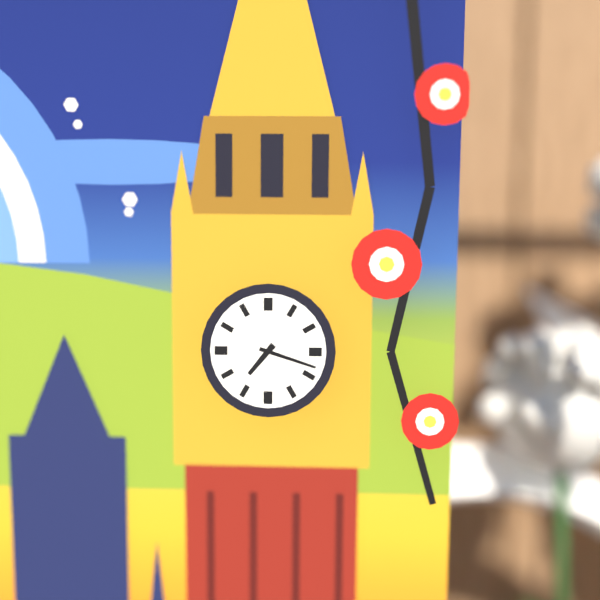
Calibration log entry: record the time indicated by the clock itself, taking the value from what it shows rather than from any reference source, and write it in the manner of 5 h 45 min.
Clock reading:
7 h 18 min
